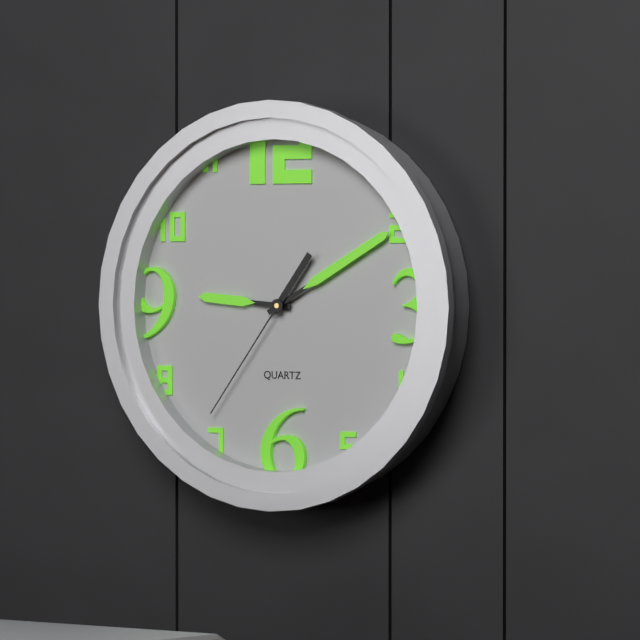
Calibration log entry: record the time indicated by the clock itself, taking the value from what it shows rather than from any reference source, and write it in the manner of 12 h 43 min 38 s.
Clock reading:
9 h 10 min 36 s
